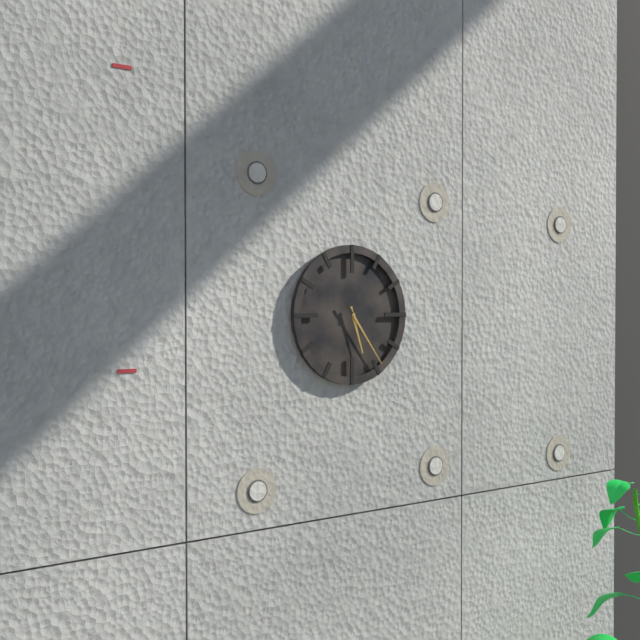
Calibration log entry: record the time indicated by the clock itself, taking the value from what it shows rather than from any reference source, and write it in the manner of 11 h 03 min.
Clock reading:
5 h 24 min
